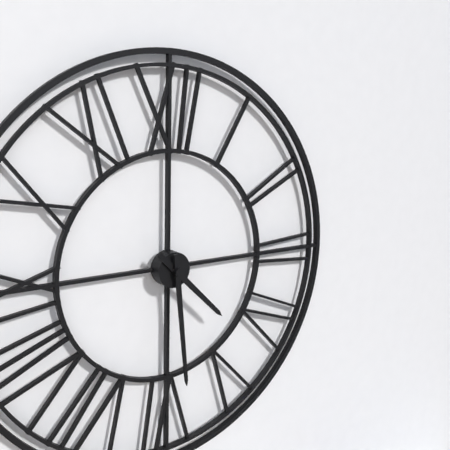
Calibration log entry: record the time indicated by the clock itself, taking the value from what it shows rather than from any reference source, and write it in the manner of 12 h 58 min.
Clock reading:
4 h 29 min
